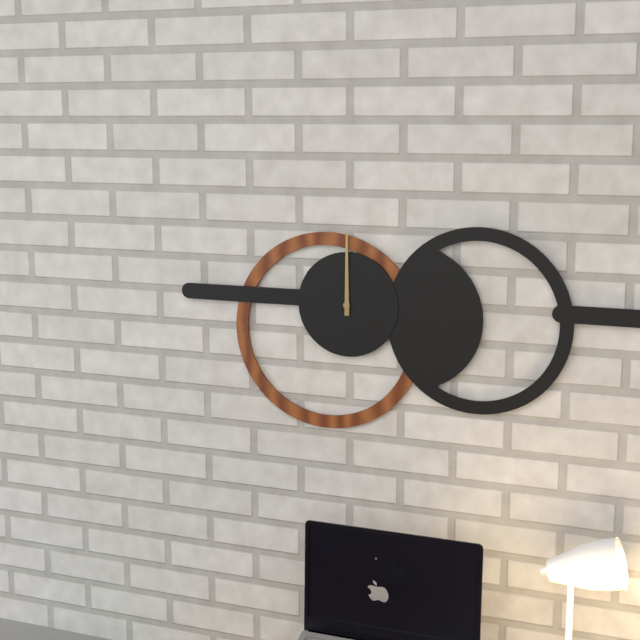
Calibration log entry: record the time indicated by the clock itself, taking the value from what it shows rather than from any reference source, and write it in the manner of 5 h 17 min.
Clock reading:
12 h 00 min
